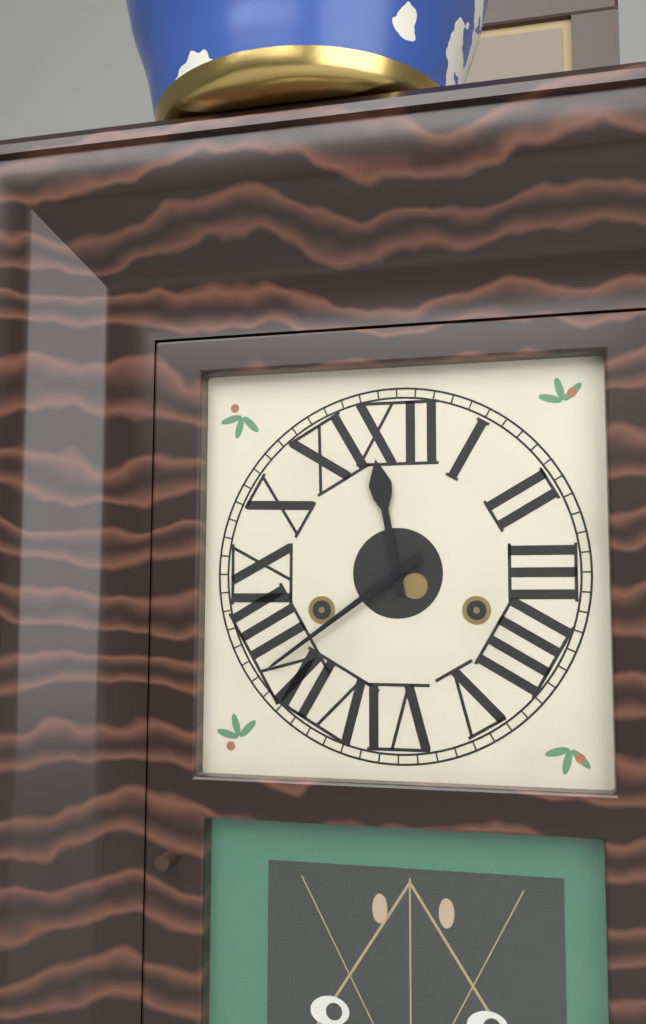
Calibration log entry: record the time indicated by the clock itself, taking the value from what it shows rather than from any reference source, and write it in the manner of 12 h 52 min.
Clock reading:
11 h 39 min
